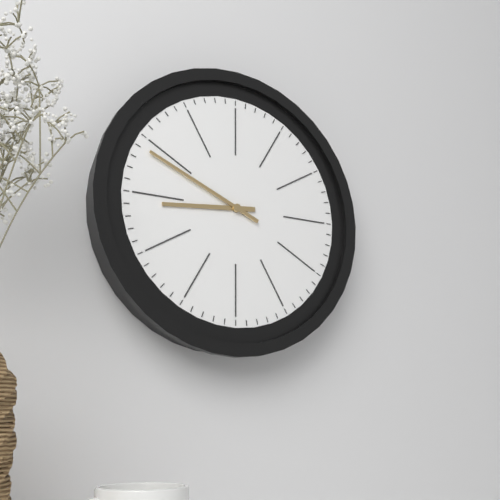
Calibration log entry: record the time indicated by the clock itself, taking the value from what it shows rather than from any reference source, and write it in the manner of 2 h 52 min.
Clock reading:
8 h 49 min
